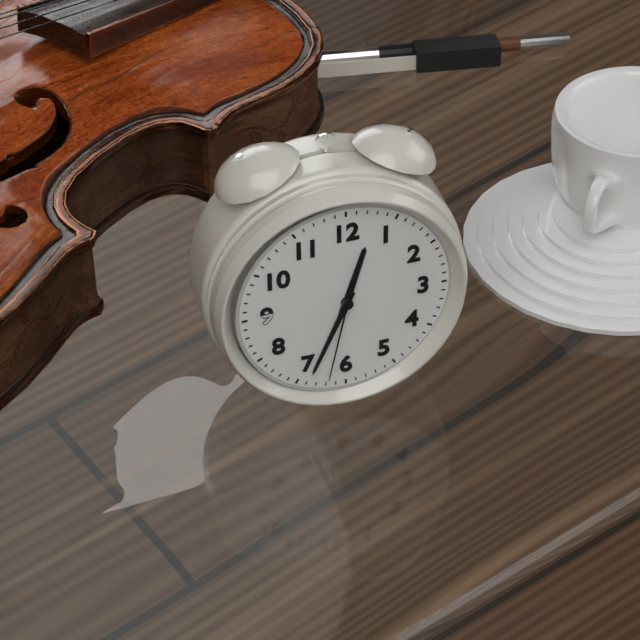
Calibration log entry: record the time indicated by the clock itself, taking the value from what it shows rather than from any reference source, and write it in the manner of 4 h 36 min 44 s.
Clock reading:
12 h 34 min 32 s
